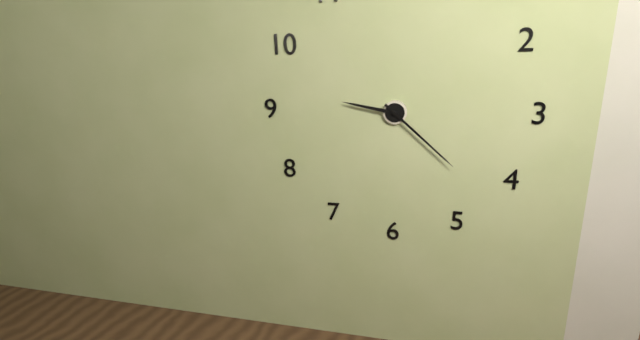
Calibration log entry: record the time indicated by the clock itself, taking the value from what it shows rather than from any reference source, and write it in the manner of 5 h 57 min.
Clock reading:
9 h 22 min
